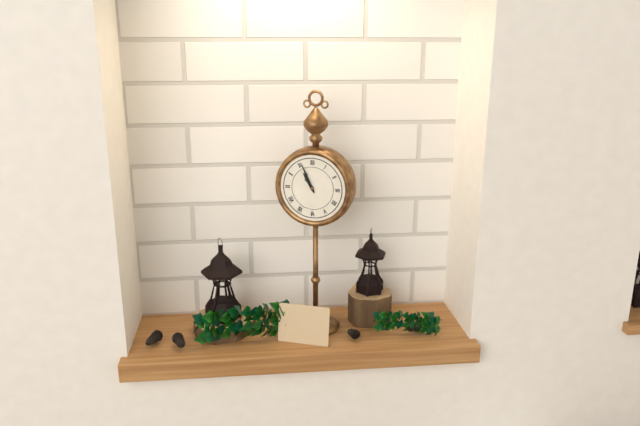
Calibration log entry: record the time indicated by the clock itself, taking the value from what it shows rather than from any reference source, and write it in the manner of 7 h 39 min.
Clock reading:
10 h 56 min
